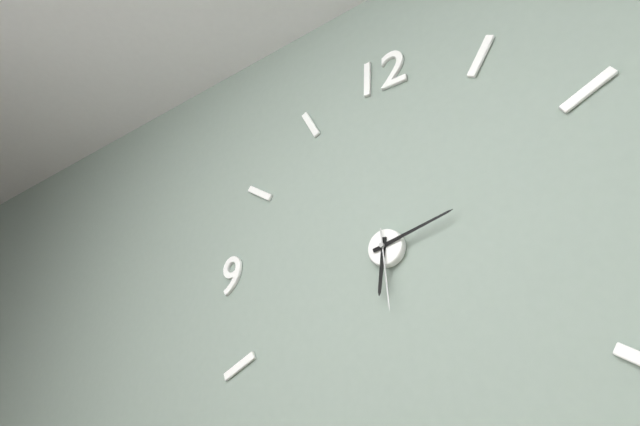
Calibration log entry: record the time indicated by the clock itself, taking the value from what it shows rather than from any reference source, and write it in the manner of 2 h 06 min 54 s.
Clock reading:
6 h 12 min 29 s
